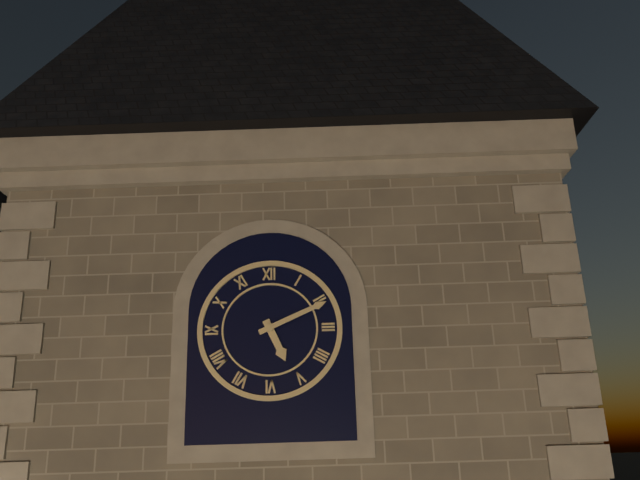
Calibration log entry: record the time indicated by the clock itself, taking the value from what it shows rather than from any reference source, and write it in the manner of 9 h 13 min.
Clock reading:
5 h 11 min
